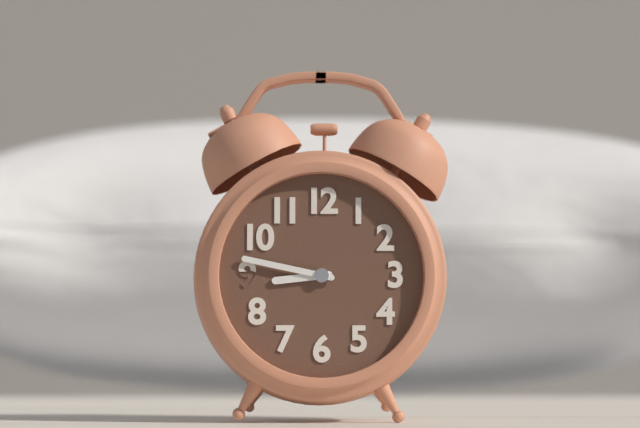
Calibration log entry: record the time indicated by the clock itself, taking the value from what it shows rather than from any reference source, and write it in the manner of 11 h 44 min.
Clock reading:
8 h 47 min
